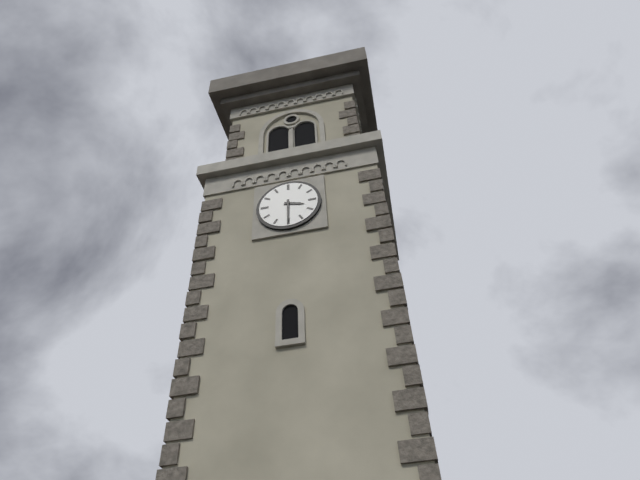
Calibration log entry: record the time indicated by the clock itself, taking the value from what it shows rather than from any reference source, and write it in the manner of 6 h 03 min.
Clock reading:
3 h 30 min
